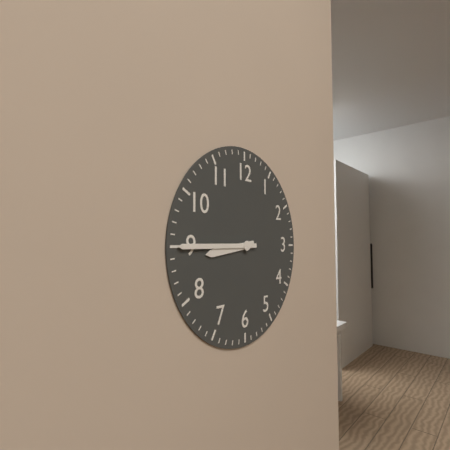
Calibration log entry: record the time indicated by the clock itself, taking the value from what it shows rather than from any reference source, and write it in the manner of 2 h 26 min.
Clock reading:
8 h 45 min
